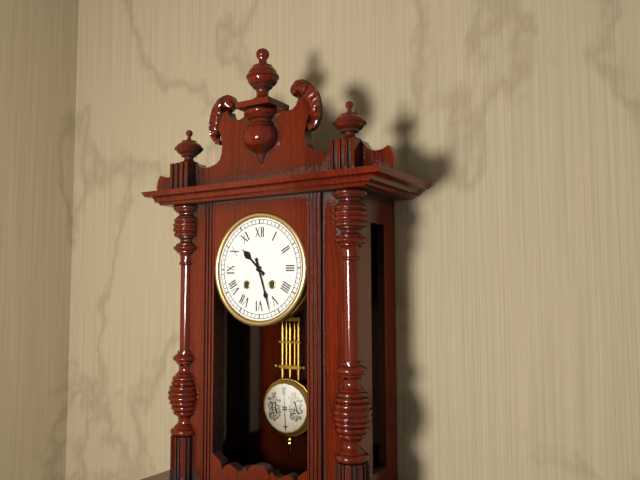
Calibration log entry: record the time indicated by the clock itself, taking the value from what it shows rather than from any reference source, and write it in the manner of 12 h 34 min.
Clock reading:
10 h 27 min
